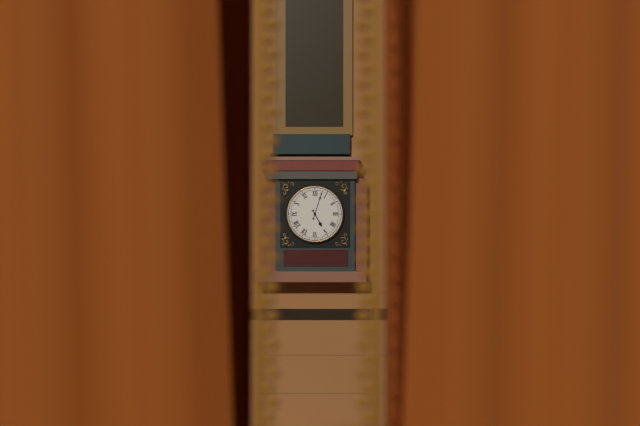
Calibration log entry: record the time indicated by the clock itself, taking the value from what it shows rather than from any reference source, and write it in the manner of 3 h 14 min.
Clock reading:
5 h 03 min
